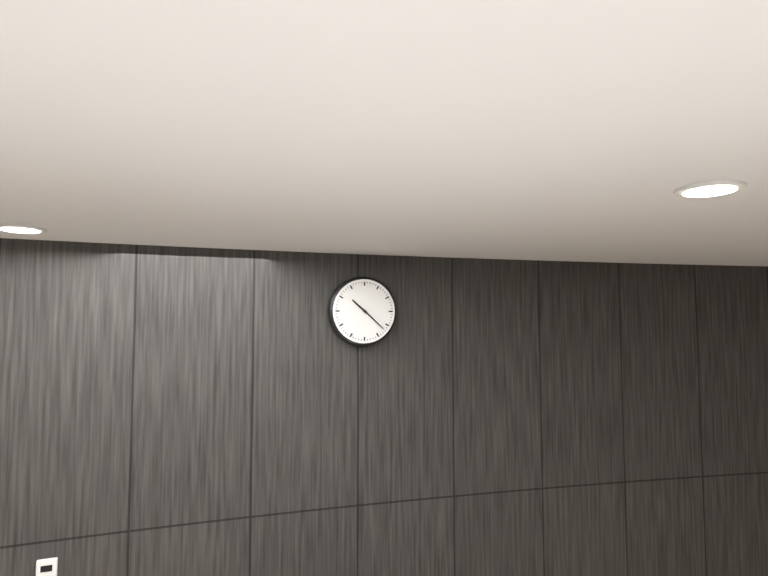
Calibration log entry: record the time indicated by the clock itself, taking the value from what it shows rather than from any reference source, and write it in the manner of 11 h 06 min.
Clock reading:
10 h 22 min
